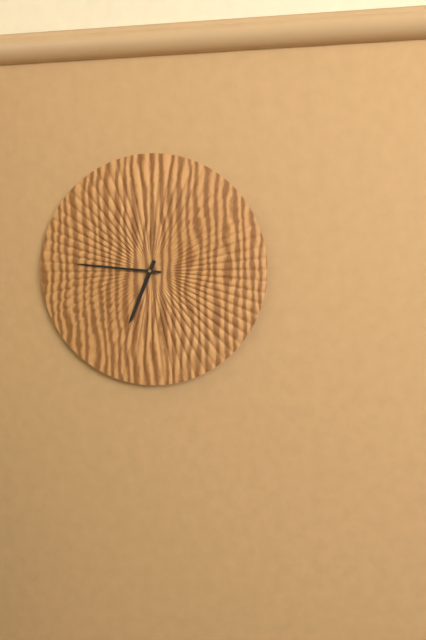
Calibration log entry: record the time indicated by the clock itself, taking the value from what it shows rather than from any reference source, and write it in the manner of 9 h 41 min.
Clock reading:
6 h 46 min
